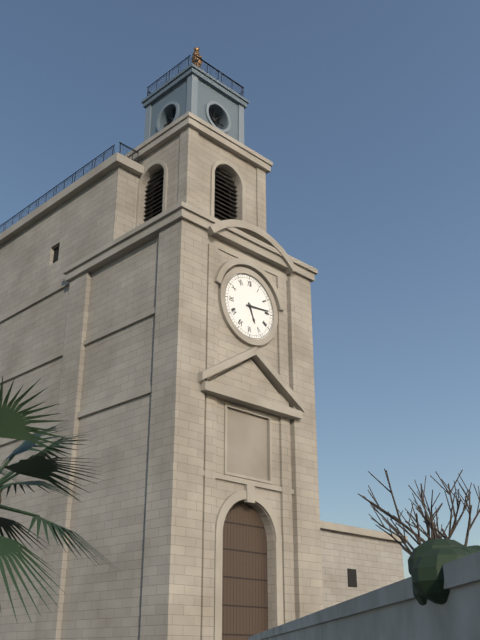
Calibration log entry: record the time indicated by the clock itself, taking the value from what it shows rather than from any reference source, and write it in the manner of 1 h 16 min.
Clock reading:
5 h 14 min
